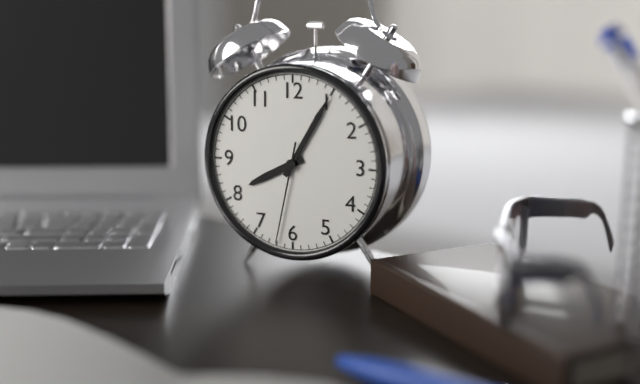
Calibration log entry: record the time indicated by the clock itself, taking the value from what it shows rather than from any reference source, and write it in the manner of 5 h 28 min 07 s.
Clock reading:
8 h 05 min 32 s
